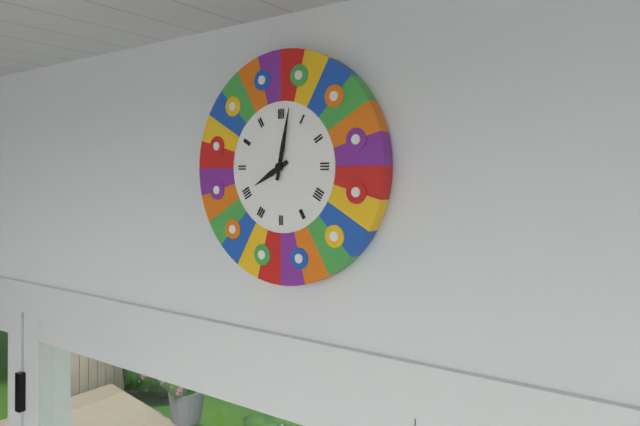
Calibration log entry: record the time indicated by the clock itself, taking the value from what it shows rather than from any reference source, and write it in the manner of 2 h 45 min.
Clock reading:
8 h 02 min
